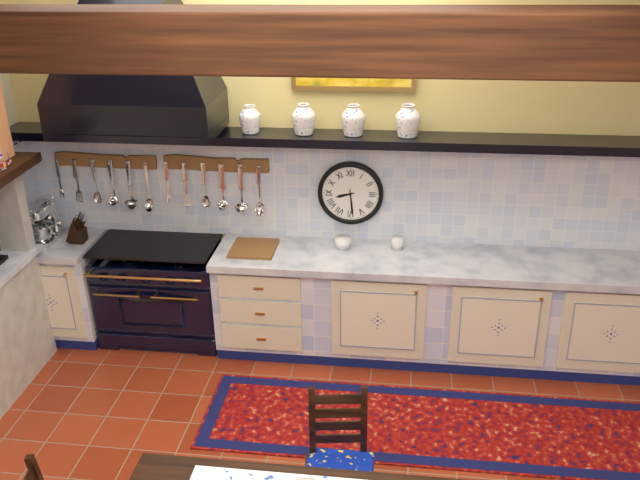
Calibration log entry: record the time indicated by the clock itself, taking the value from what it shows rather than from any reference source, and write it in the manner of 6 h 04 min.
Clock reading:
8 h 29 min
